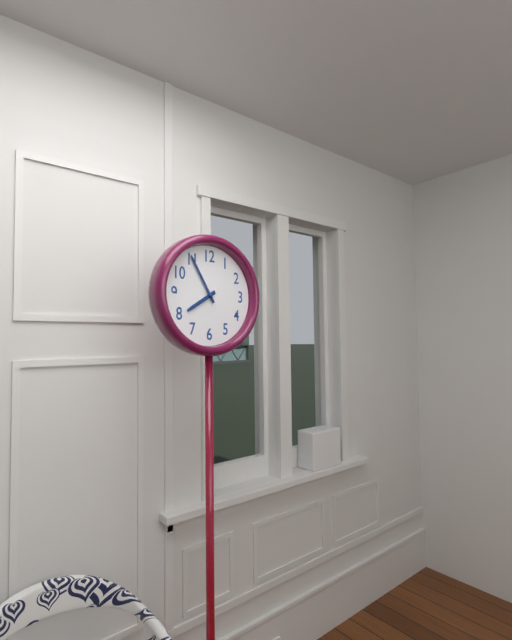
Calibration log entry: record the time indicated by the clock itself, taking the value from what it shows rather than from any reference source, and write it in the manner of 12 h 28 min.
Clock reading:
7 h 55 min
